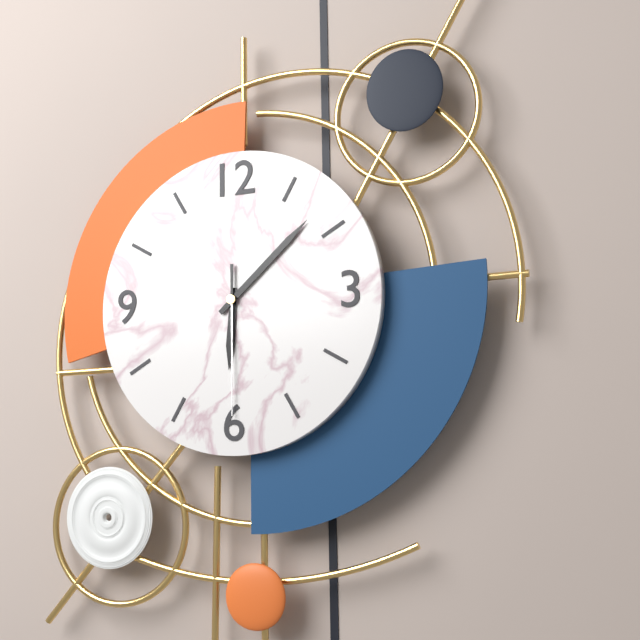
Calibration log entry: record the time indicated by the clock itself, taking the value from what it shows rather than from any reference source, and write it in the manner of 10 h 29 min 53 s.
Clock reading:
6 h 08 min 30 s
